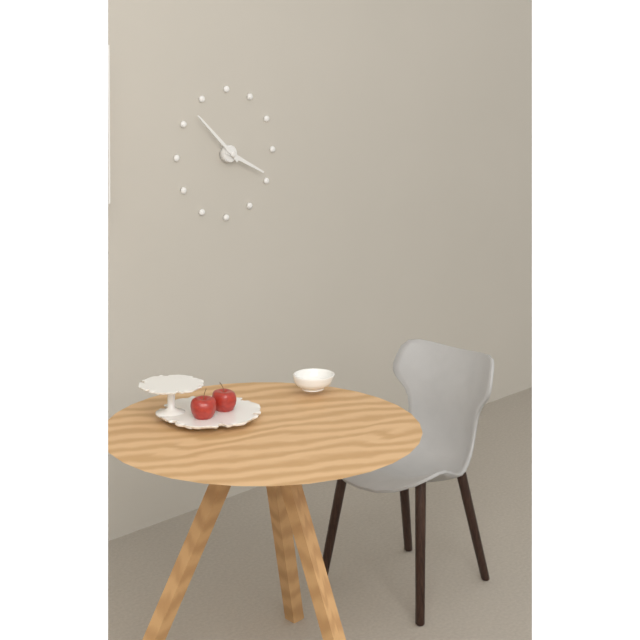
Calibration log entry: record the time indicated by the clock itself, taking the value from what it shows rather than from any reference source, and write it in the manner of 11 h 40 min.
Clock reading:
3 h 52 min
